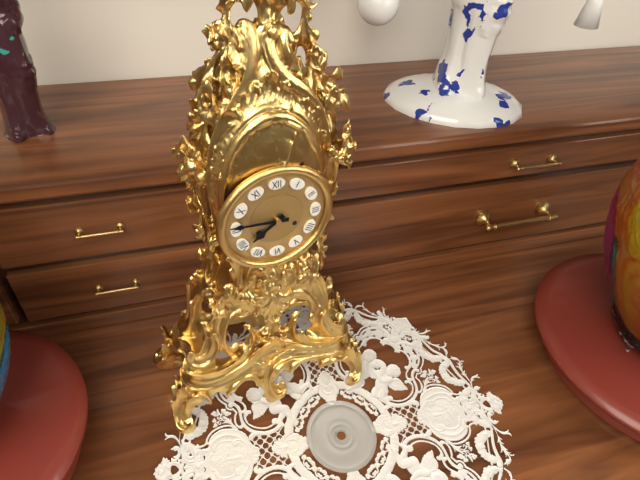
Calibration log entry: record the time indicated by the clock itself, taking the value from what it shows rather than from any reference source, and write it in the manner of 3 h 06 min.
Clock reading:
7 h 46 min
